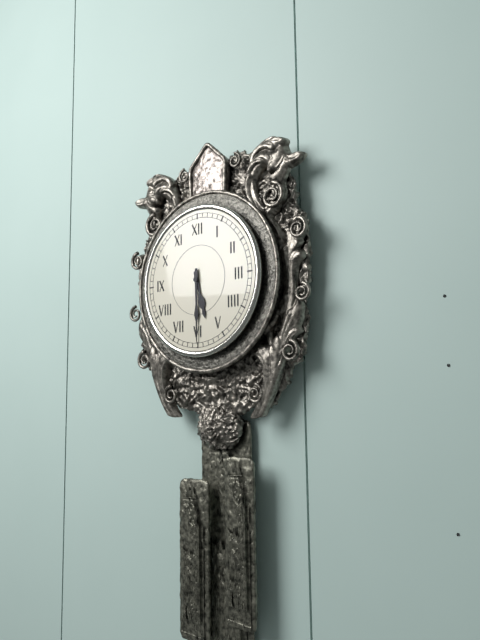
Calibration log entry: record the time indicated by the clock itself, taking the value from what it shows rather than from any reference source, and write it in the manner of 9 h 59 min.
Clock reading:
5 h 30 min
